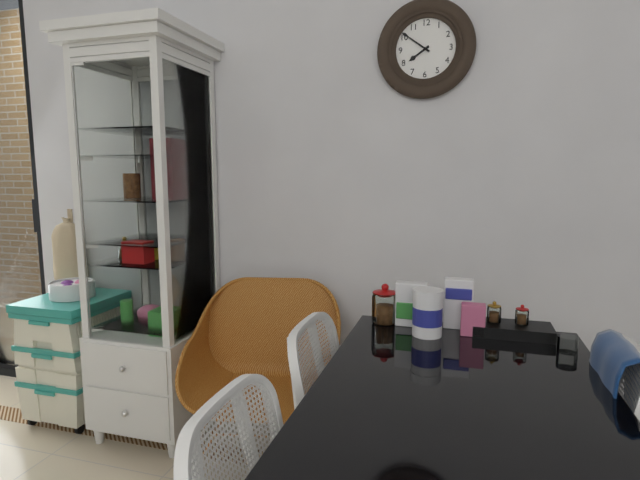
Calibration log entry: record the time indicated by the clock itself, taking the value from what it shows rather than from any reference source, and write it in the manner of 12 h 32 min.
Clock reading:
7 h 51 min
